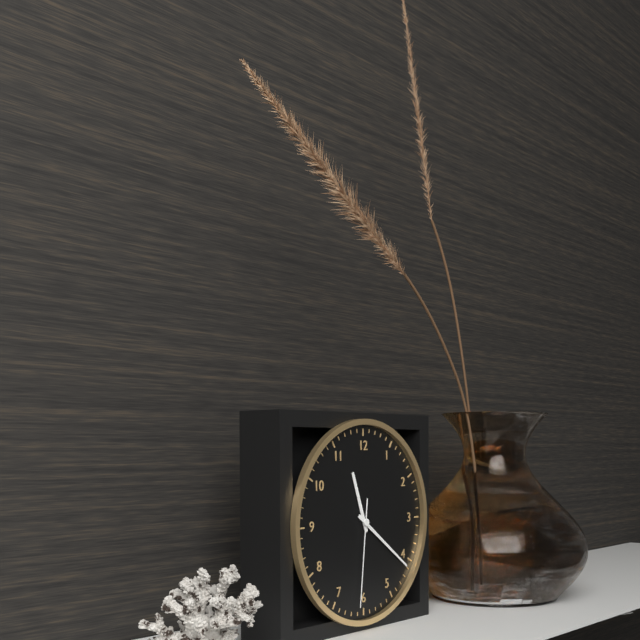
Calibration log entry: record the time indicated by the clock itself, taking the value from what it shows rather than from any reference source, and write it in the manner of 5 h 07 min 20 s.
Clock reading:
11 h 21 min 31 s
